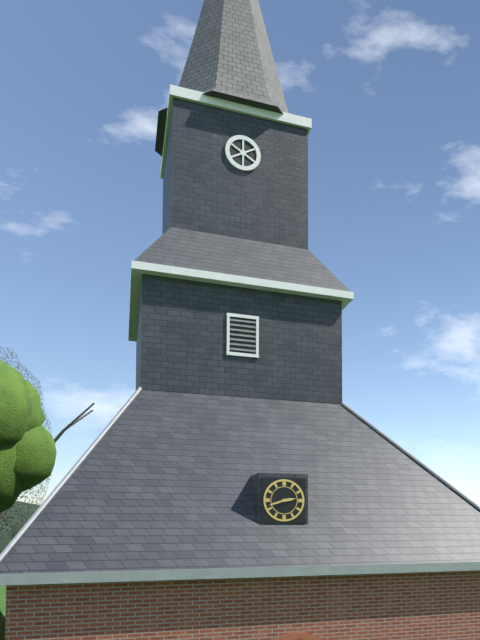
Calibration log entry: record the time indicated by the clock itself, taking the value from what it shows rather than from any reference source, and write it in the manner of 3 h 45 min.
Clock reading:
2 h 42 min
